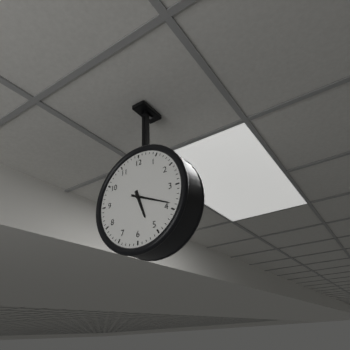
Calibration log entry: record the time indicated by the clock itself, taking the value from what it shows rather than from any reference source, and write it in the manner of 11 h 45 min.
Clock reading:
5 h 19 min
